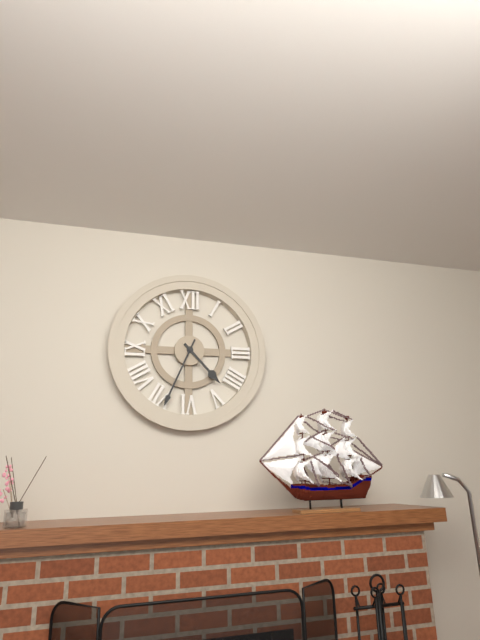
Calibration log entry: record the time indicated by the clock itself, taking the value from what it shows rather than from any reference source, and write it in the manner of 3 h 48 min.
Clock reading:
4 h 34 min
